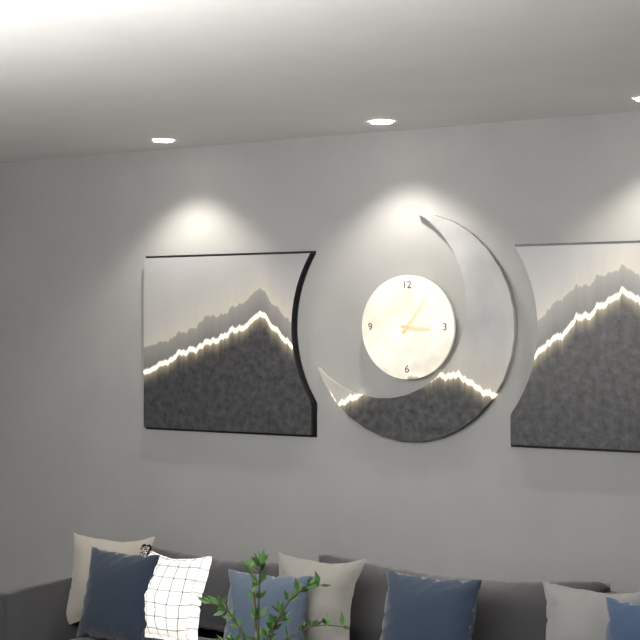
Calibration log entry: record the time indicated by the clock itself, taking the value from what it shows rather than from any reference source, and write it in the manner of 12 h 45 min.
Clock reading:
3 h 06 min
